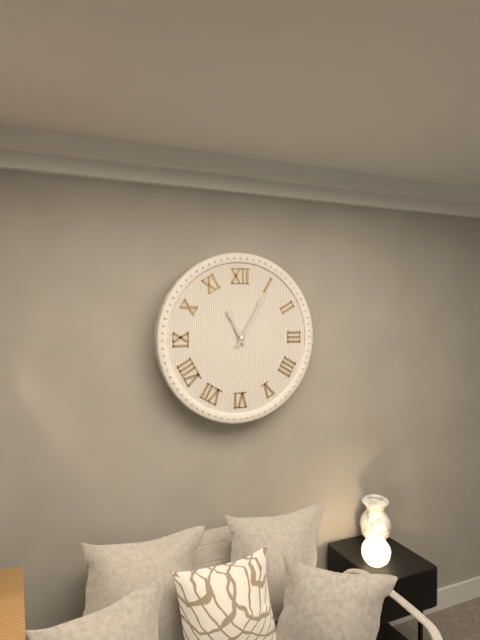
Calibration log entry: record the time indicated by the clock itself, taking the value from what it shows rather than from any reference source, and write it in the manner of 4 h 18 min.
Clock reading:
11 h 05 min
